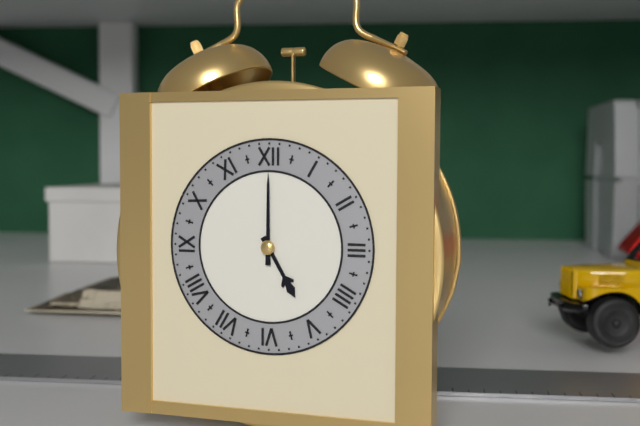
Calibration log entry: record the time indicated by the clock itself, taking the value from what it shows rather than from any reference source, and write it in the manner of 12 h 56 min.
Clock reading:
5 h 00 min
